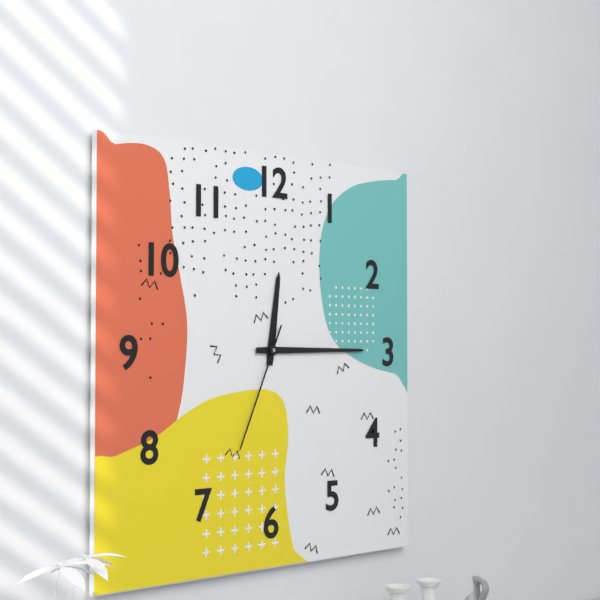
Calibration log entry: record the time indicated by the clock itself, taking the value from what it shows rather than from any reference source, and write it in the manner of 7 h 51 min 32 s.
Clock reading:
12 h 15 min 34 s
